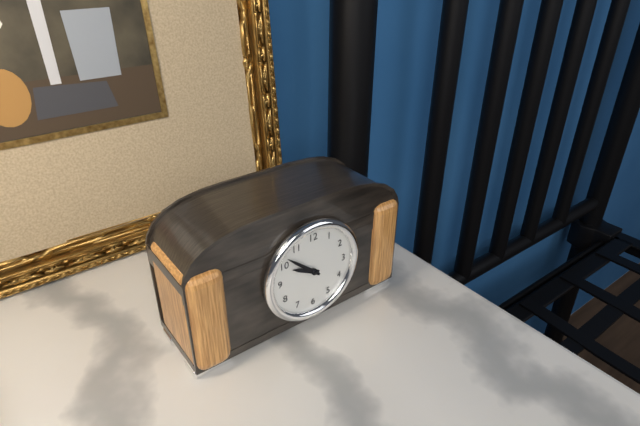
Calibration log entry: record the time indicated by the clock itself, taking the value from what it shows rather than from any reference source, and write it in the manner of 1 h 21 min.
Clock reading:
9 h 52 min
